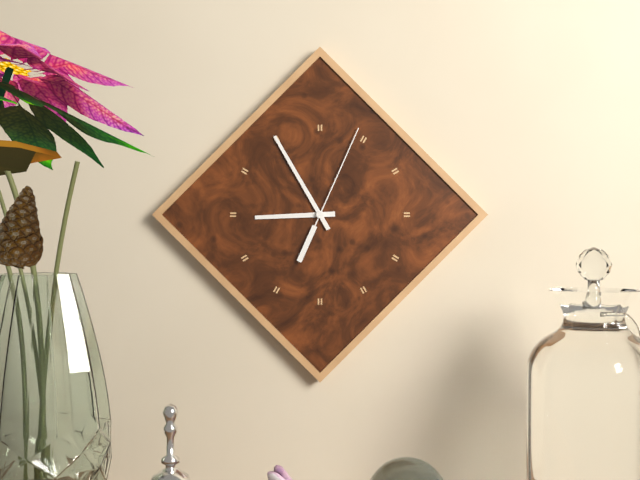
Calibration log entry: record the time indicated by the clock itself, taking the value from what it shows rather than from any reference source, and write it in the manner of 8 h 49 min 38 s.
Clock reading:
8 h 55 min 04 s
